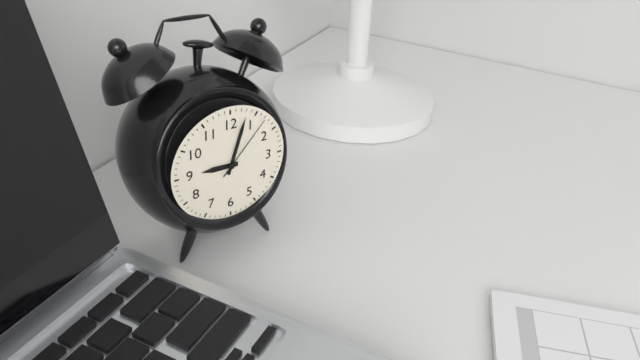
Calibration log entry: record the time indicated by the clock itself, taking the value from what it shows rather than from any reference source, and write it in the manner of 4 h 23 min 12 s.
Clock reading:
9 h 03 min 07 s
